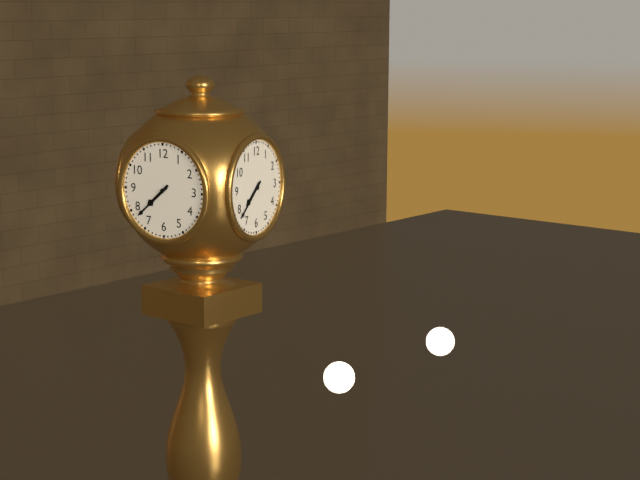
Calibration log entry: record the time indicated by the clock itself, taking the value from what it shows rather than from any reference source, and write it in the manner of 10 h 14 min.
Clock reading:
7 h 38 min
